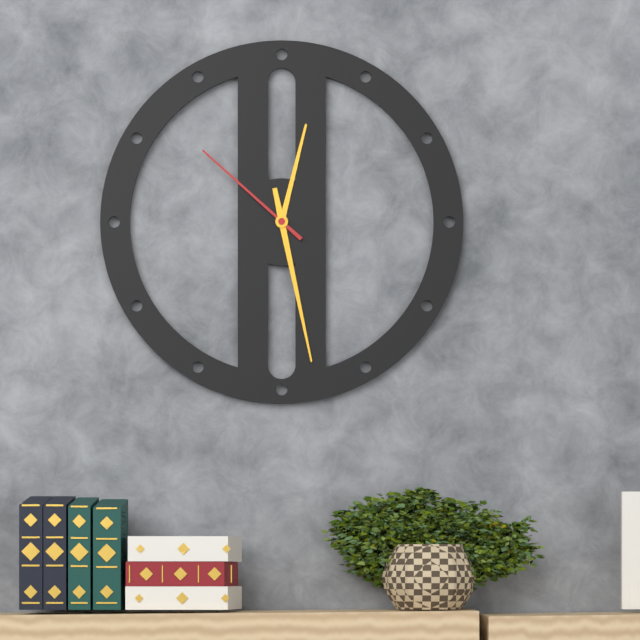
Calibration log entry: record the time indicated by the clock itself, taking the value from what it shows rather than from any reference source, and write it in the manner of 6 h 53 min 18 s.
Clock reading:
12 h 28 min 52 s
